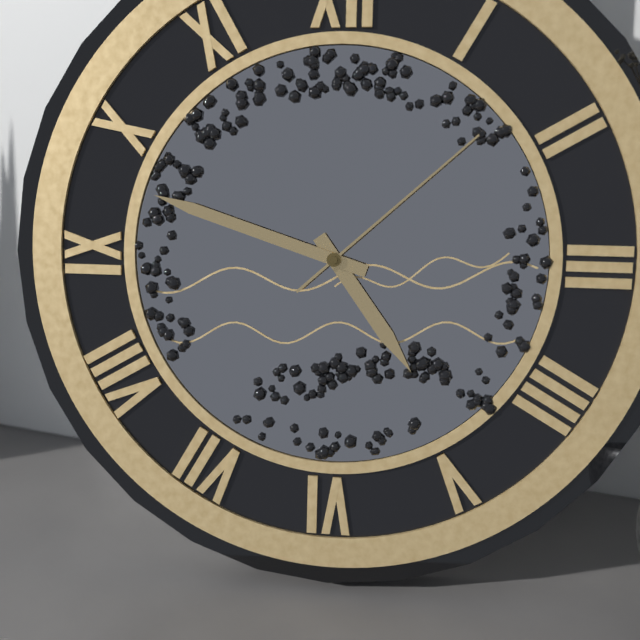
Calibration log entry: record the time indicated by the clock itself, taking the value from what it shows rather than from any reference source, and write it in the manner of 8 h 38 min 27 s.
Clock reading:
4 h 48 min 08 s
